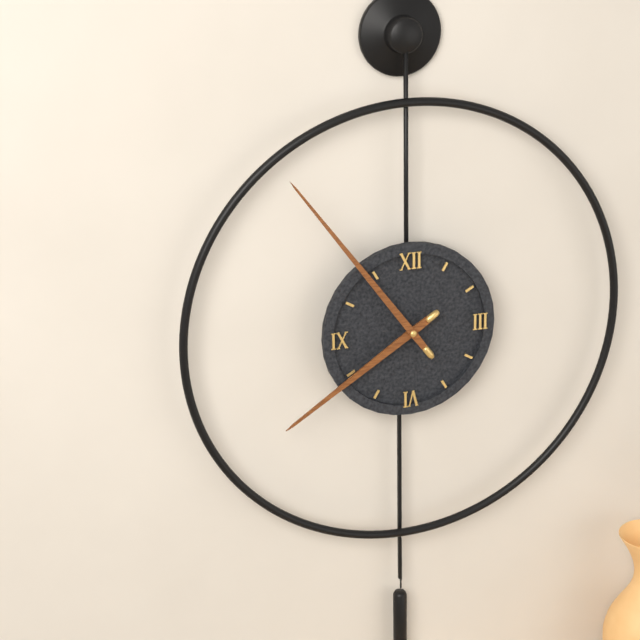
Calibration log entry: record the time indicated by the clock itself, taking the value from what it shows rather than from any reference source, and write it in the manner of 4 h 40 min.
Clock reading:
7 h 54 min
